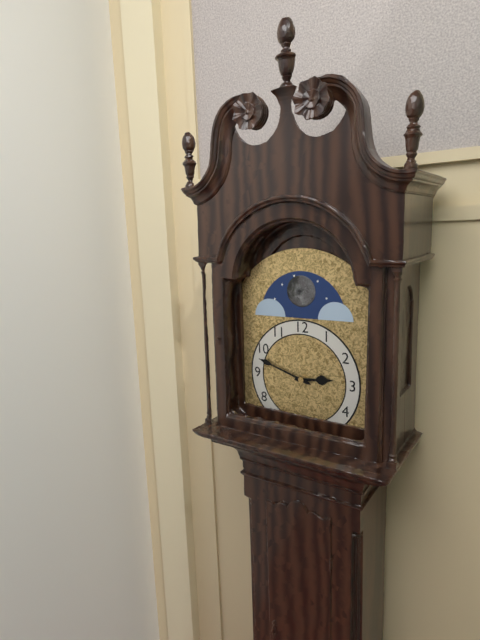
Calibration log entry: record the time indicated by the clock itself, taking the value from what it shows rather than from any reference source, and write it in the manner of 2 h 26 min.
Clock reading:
2 h 48 min
